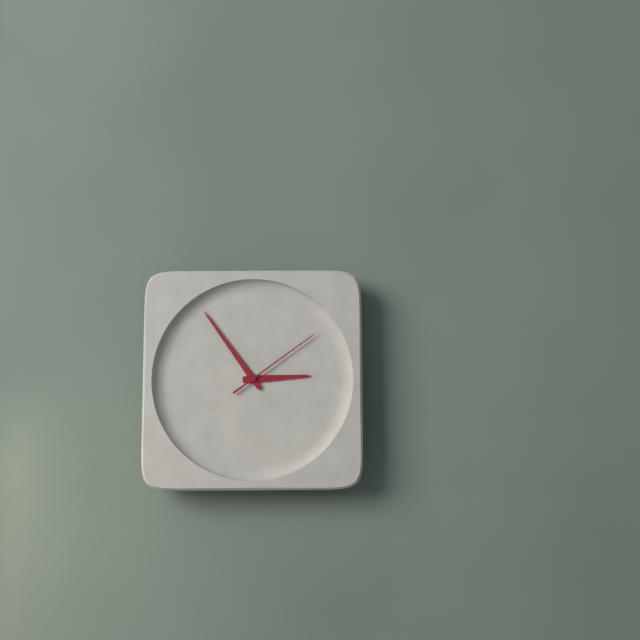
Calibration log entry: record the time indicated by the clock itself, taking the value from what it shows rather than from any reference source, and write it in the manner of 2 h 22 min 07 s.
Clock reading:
2 h 54 min 09 s
